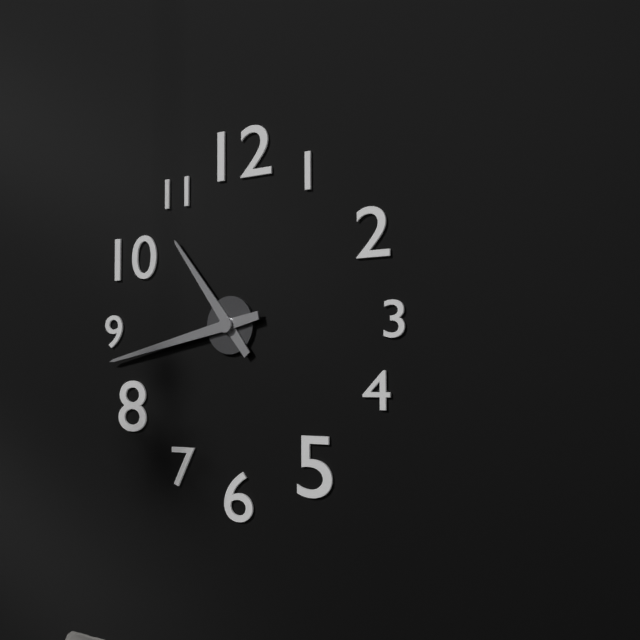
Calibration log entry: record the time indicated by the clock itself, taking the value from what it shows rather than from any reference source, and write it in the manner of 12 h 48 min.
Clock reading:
10 h 43 min
